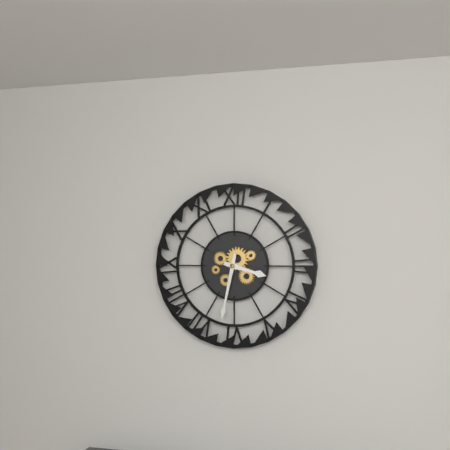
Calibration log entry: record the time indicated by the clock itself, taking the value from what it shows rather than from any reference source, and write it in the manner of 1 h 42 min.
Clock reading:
3 h 32 min
